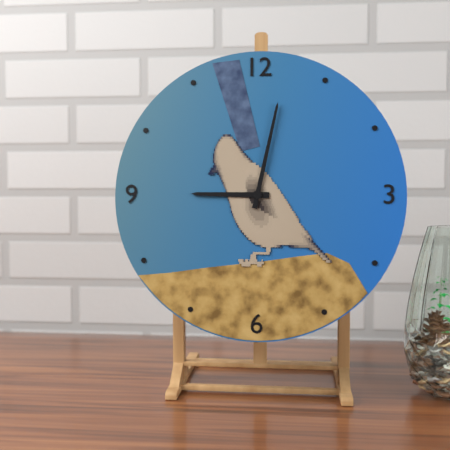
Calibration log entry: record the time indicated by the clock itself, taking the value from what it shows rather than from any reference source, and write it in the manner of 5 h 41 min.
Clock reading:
9 h 02 min
